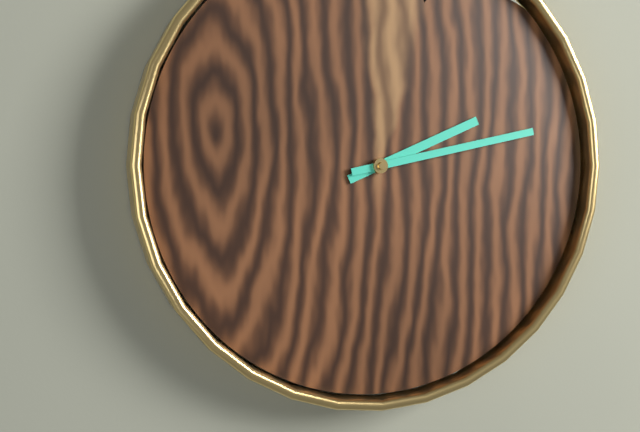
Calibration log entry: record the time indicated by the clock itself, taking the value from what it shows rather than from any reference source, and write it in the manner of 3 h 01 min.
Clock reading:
2 h 13 min
